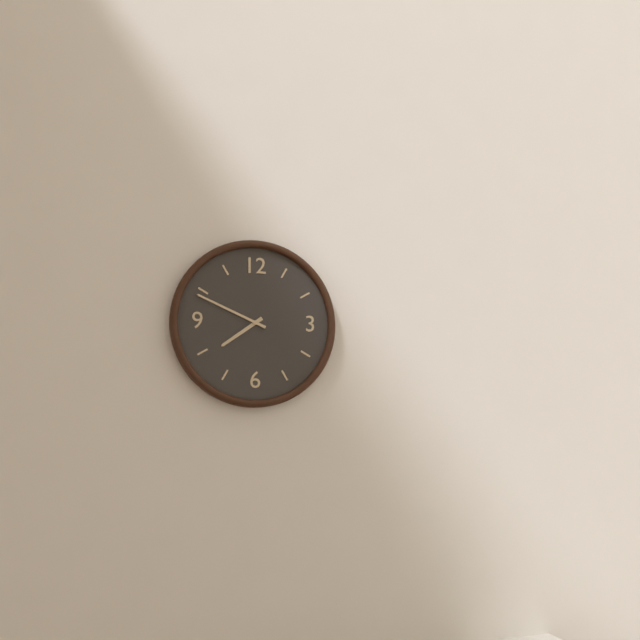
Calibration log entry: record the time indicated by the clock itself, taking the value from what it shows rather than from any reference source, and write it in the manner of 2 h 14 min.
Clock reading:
7 h 49 min
